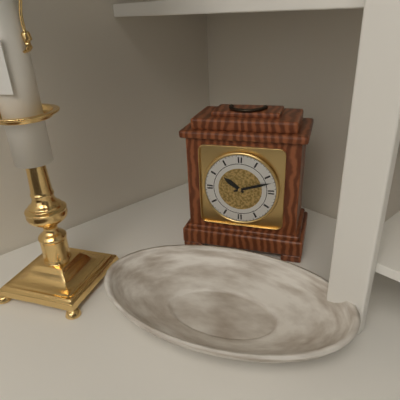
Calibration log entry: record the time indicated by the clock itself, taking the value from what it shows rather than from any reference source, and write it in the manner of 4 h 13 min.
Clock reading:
10 h 12 min
